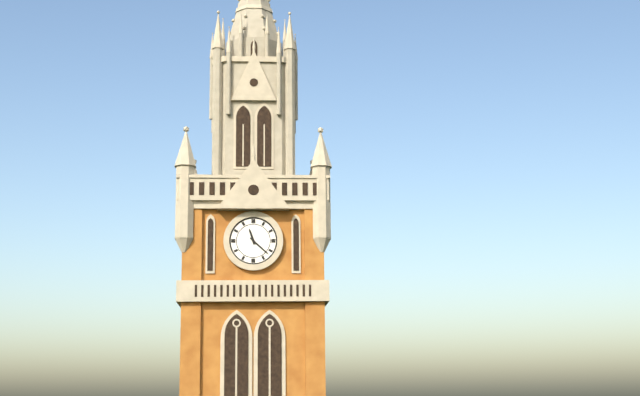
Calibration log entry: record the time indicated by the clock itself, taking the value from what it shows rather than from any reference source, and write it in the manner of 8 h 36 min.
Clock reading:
11 h 22 min
